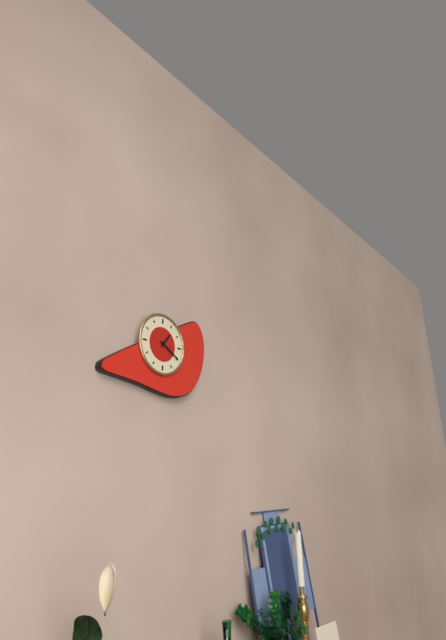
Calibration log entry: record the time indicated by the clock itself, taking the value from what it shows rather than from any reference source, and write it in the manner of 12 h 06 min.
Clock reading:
1 h 20 min
